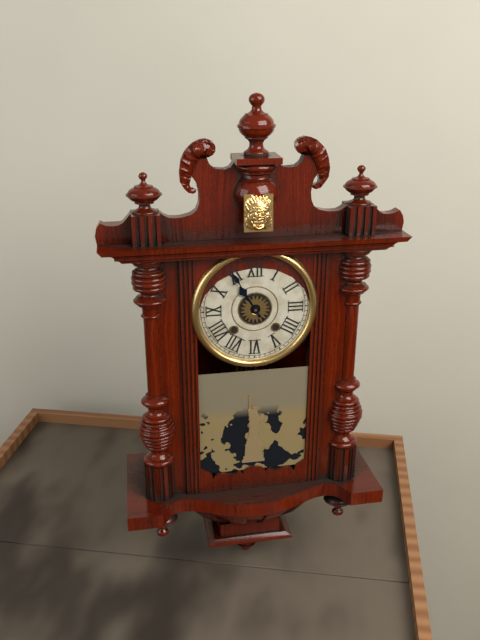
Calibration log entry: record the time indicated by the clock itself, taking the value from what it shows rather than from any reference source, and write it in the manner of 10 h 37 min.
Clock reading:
10 h 55 min
